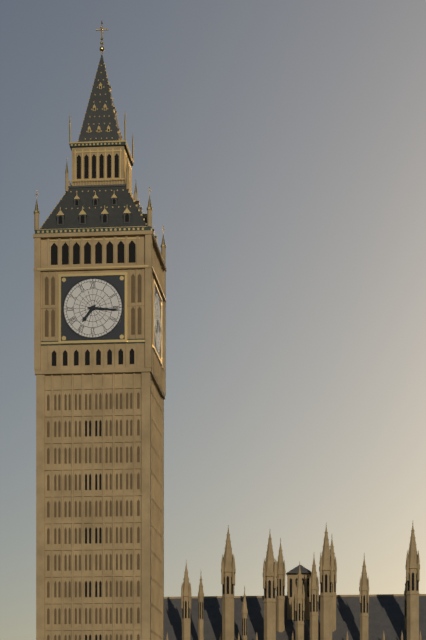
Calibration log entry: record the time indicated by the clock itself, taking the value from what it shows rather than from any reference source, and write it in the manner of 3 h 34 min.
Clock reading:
7 h 16 min
